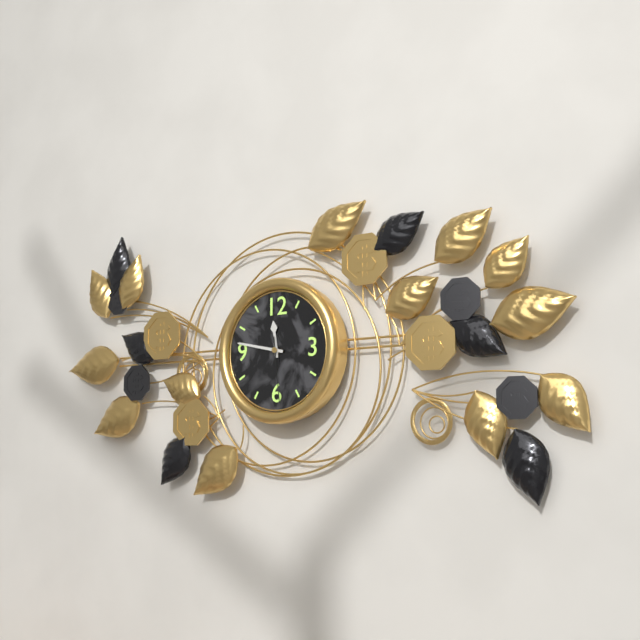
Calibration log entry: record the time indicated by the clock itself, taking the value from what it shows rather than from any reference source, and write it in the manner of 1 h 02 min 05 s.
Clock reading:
11 h 47 min 29 s
